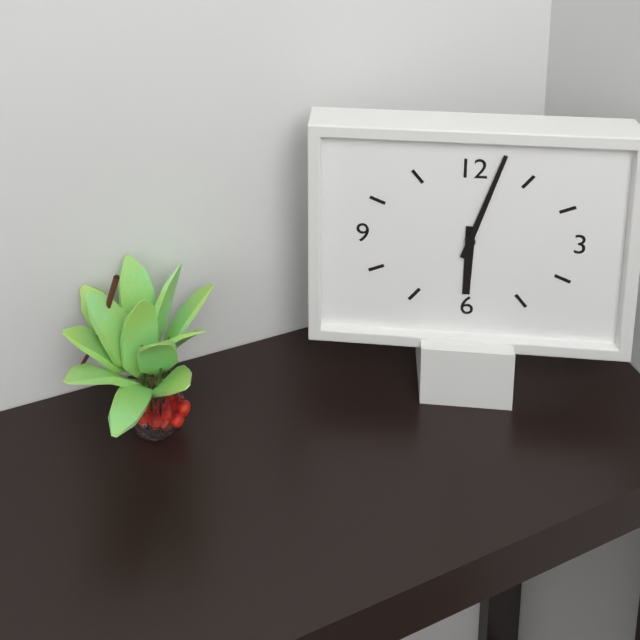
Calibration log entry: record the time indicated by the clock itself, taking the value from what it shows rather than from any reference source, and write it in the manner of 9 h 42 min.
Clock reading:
6 h 03 min
